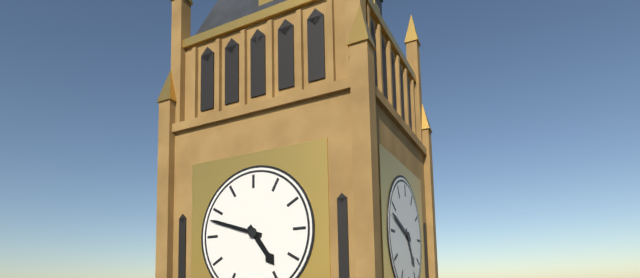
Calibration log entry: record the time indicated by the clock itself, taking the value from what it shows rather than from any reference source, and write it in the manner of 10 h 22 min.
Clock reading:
4 h 48 min
